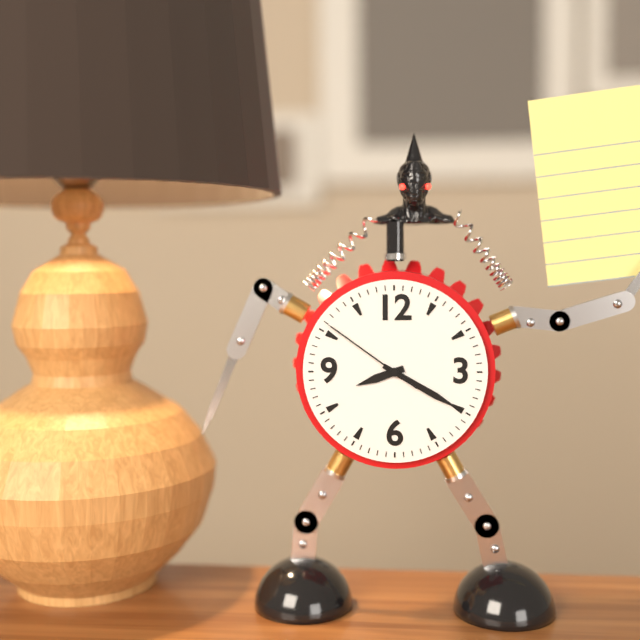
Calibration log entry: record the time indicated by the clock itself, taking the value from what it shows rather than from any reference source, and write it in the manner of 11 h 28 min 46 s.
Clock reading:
8 h 20 min 51 s
